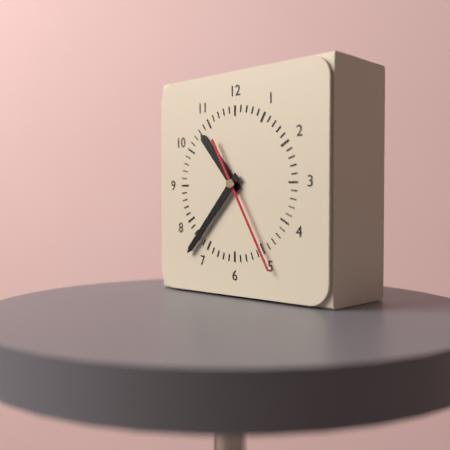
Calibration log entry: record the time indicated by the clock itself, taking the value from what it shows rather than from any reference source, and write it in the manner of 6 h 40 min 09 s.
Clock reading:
10 h 37 min 25 s
